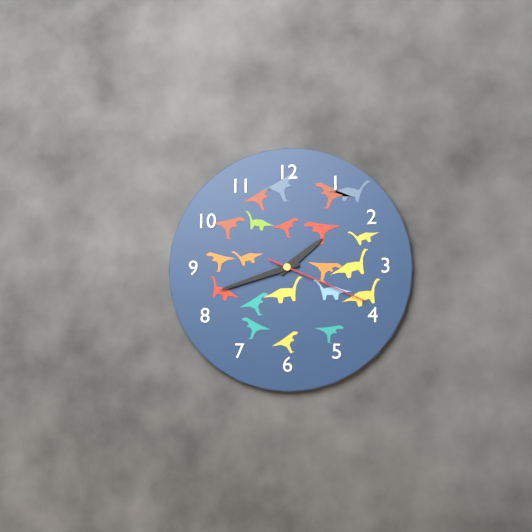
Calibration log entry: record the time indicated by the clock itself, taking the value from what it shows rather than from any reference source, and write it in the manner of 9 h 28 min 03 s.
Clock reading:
1 h 42 min 19 s
